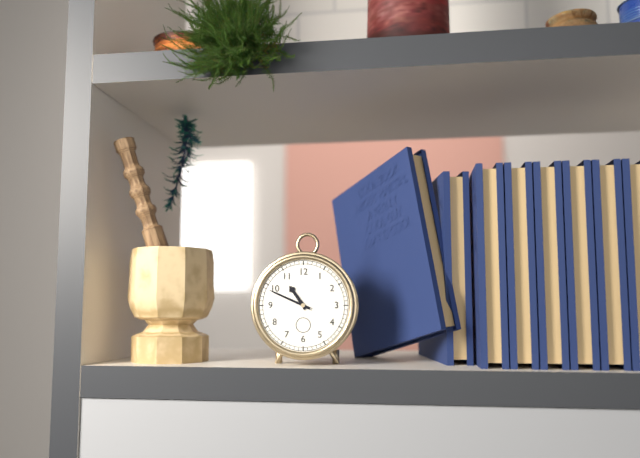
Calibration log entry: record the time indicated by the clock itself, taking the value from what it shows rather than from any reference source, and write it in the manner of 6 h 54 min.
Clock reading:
10 h 49 min
